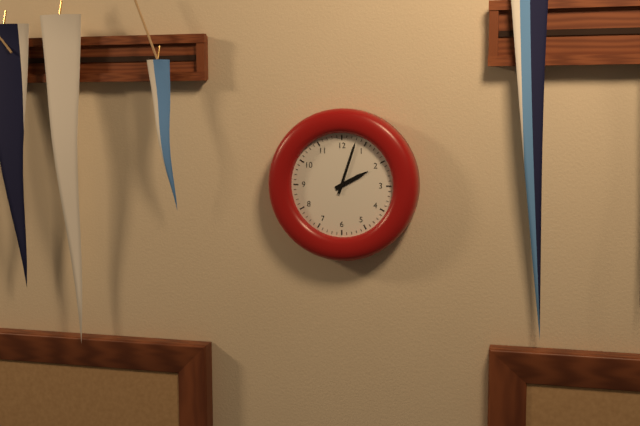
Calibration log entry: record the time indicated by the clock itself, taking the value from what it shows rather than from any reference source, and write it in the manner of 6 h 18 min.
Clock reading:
2 h 03 min
